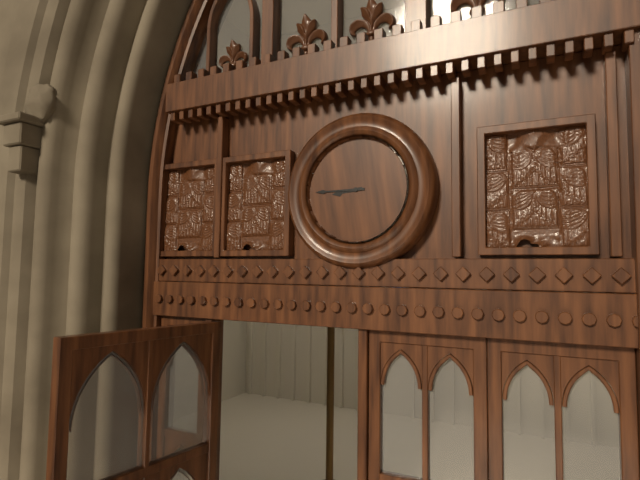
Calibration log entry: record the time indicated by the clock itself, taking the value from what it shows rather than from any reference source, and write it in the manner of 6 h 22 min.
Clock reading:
8 h 45 min
